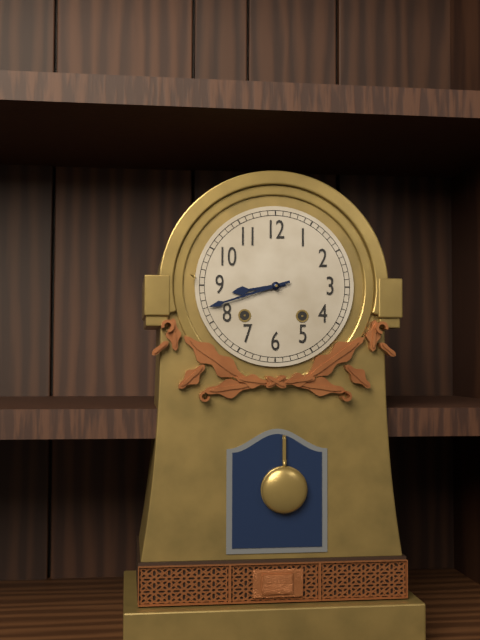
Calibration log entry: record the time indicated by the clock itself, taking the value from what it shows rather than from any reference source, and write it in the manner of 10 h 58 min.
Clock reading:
8 h 42 min
